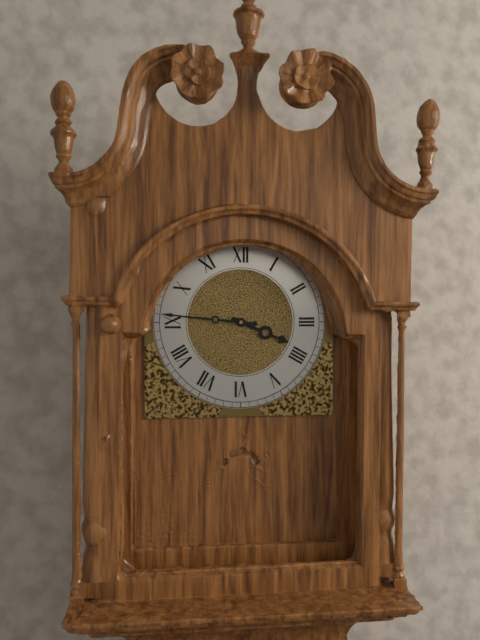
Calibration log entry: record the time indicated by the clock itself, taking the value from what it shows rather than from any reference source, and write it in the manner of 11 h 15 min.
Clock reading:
3 h 46 min
